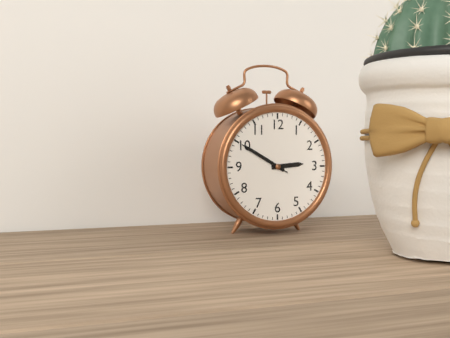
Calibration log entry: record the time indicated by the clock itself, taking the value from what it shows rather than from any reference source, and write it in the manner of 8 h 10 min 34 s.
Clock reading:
2 h 50 min 50 s
